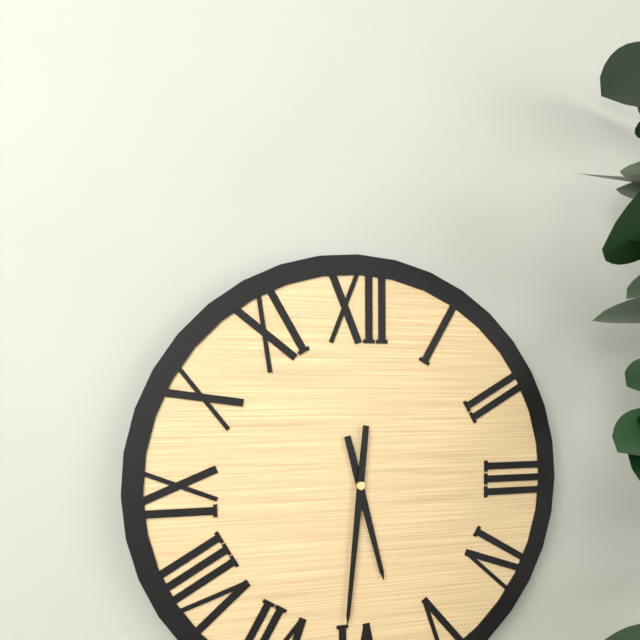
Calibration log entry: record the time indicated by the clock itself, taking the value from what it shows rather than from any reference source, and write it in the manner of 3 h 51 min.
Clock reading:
5 h 31 min
